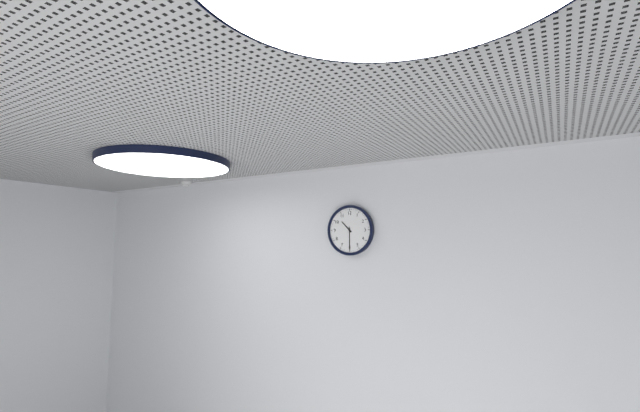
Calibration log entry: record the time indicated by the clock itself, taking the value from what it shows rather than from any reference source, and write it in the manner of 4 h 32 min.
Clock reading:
10 h 30 min
